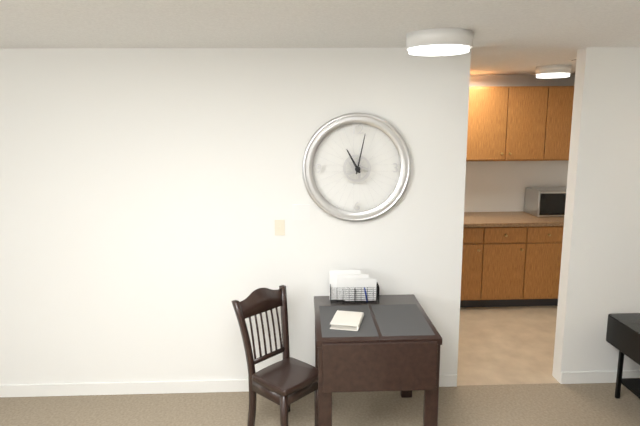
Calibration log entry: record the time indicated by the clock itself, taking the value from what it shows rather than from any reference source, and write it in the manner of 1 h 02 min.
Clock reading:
11 h 02 min
